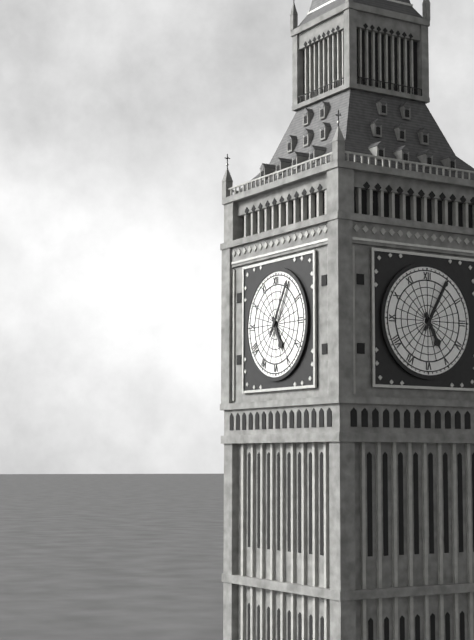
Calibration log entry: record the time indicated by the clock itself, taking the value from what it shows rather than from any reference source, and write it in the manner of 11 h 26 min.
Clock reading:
5 h 05 min
